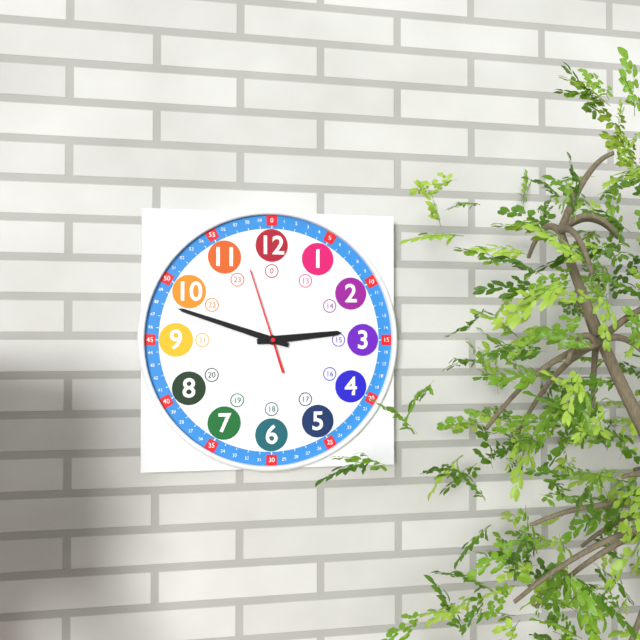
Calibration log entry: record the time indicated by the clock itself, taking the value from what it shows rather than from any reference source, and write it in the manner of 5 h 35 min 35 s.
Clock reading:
2 h 48 min 57 s
